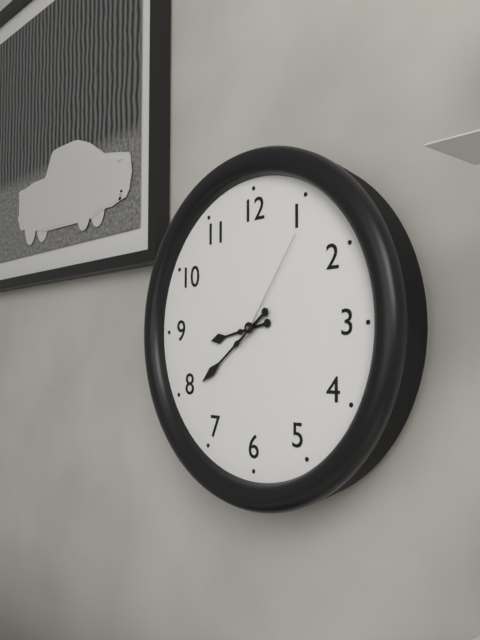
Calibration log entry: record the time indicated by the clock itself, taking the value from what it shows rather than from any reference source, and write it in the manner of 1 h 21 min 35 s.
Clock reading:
8 h 39 min 06 s
